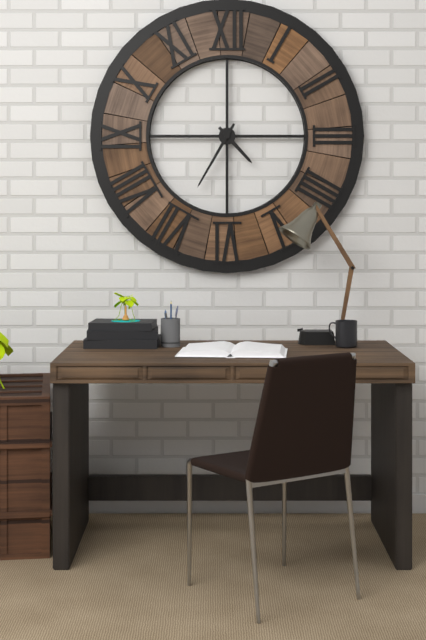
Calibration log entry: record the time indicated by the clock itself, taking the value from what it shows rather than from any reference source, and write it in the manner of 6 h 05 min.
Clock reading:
4 h 35 min
